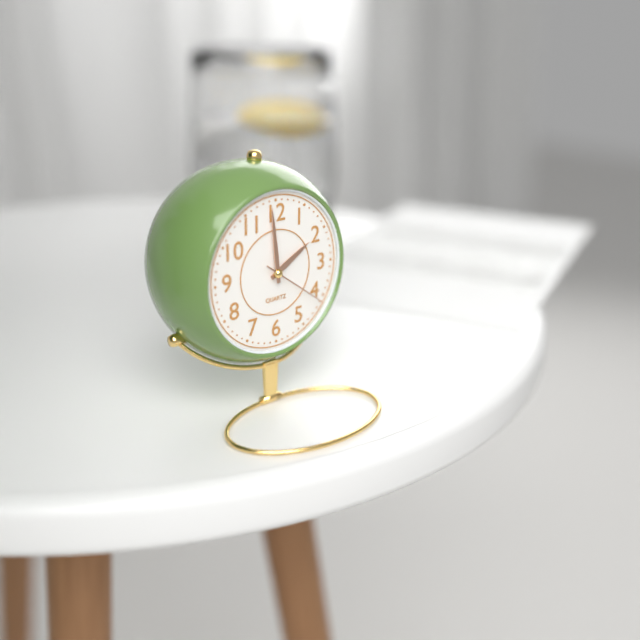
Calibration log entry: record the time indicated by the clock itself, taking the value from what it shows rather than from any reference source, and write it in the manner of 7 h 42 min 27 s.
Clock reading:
1 h 59 min 21 s
